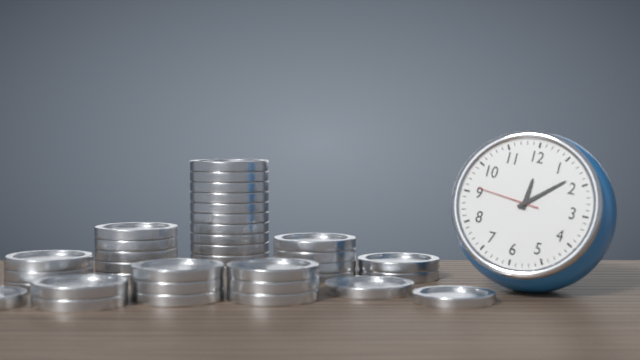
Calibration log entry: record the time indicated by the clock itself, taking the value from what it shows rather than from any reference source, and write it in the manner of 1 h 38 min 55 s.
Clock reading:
12 h 08 min 46 s
